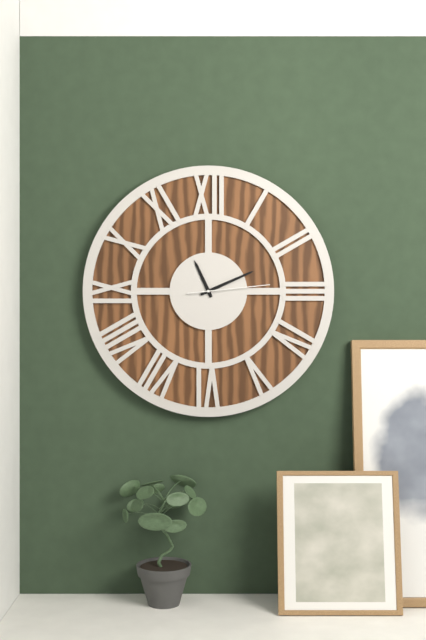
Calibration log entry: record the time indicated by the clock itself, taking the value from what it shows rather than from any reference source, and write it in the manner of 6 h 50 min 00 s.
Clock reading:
11 h 11 min 14 s
